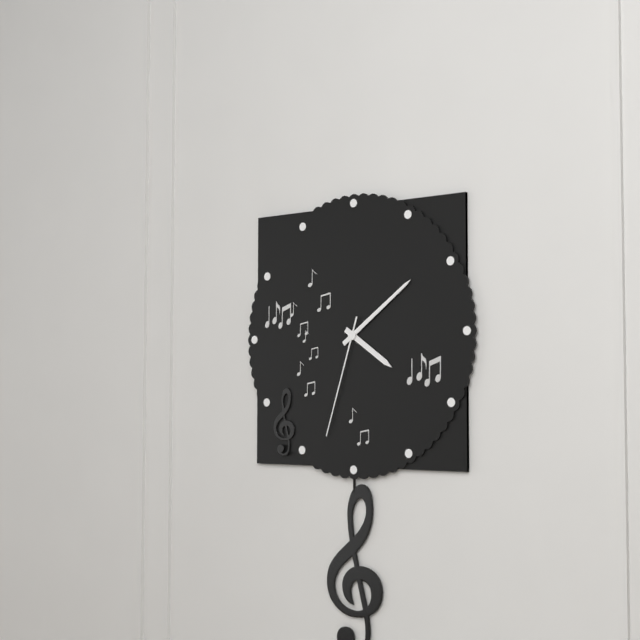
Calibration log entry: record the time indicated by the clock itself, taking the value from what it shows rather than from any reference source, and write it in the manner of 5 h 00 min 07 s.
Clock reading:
4 h 09 min 33 s
